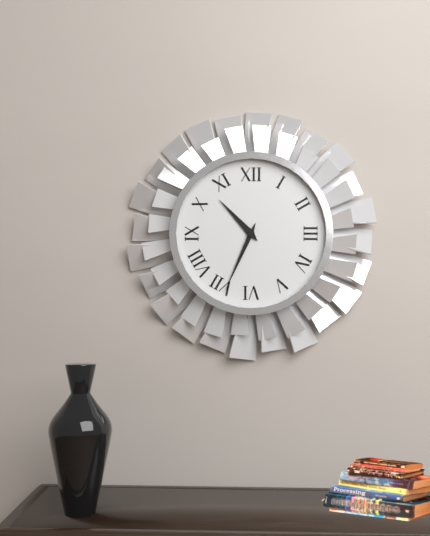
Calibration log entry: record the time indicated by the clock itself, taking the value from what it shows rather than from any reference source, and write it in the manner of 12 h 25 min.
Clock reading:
10 h 34 min
